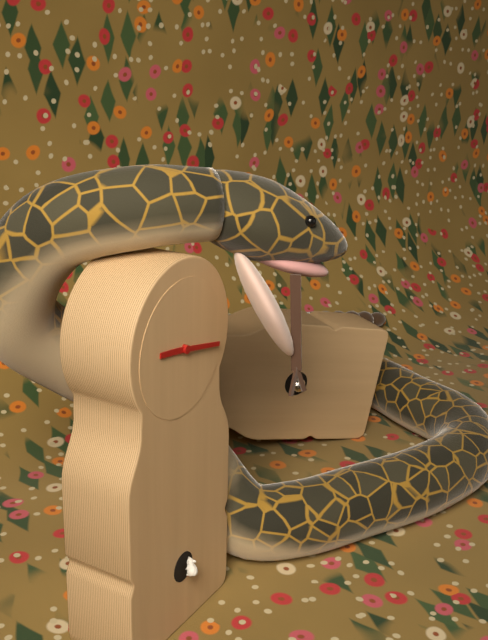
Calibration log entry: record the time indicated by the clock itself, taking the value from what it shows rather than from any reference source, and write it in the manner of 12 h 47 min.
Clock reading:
9 h 17 min
